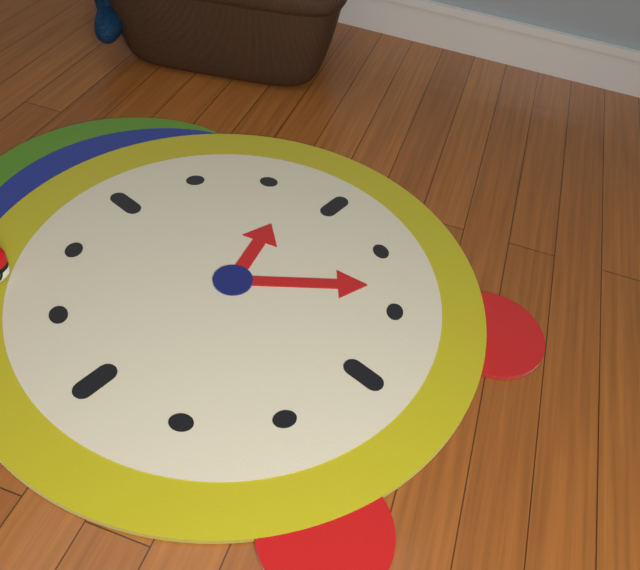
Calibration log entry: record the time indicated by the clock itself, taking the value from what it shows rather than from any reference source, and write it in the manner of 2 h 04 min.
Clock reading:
2 h 23 min
